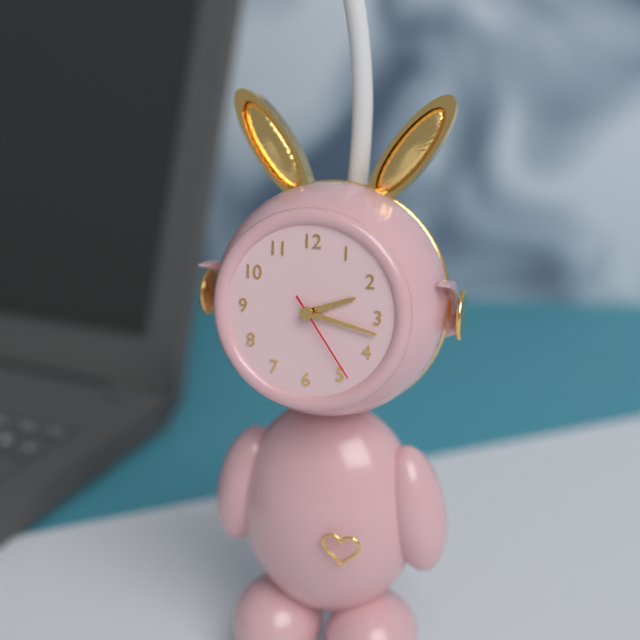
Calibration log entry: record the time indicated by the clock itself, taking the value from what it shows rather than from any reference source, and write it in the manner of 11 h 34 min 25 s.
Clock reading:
2 h 17 min 24 s
